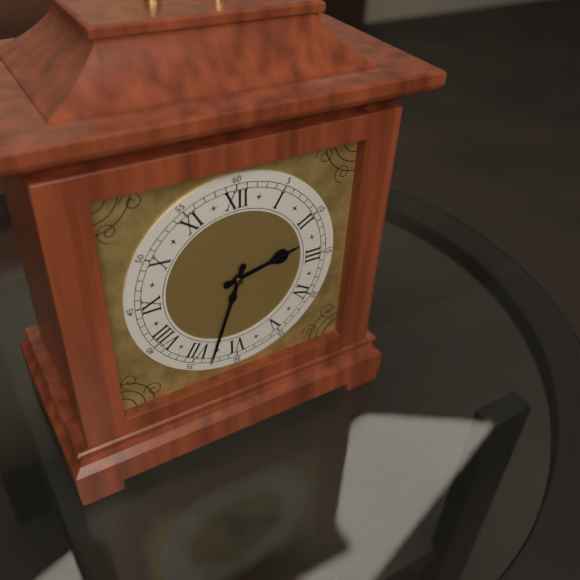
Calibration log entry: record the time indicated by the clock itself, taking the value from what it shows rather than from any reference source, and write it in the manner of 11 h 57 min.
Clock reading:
2 h 33 min
